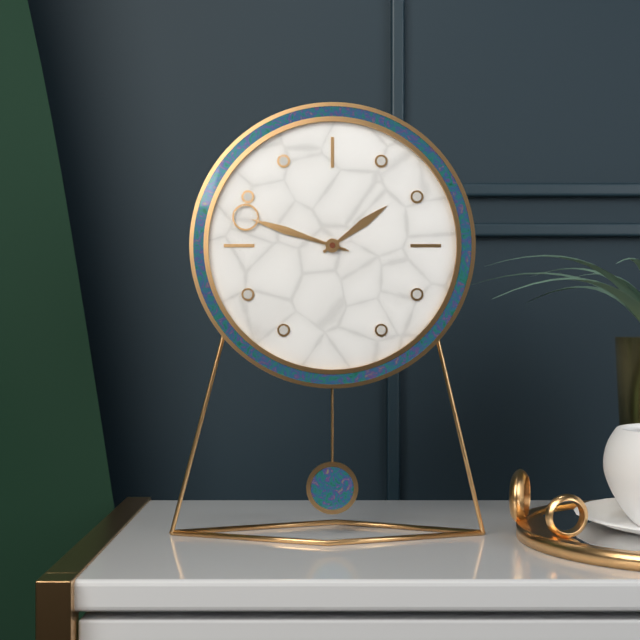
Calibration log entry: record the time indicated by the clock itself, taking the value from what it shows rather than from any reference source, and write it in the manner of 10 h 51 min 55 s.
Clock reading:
1 h 48 min 48 s
